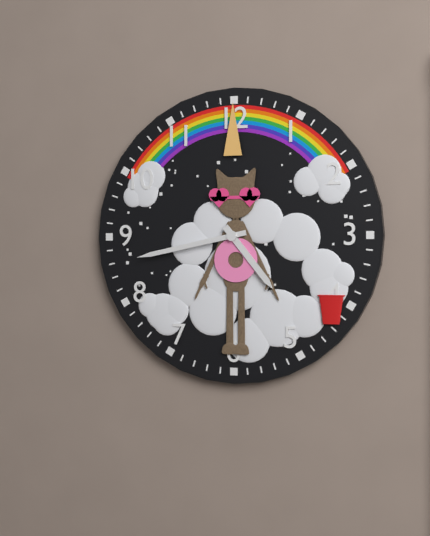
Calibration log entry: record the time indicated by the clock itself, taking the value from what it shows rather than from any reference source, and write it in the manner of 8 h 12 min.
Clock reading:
4 h 43 min
